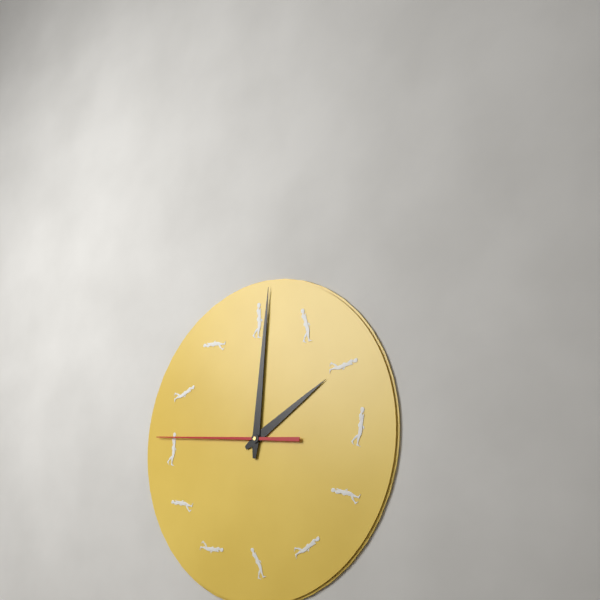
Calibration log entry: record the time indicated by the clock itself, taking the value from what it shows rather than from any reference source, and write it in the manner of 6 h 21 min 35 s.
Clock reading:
2 h 01 min 46 s
